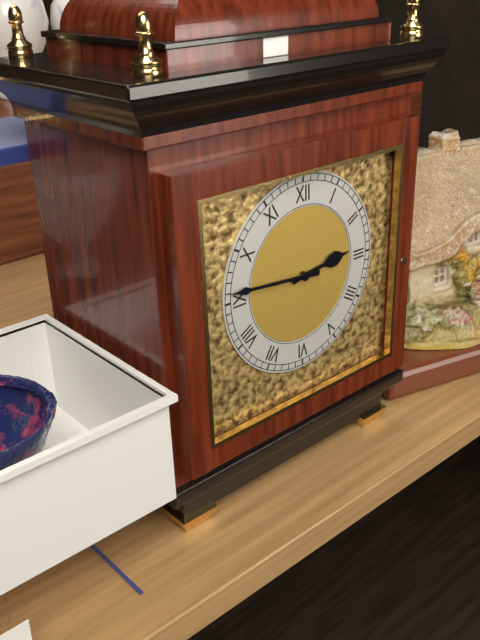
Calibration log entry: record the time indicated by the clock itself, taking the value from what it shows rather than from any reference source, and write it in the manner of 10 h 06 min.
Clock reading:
2 h 46 min
